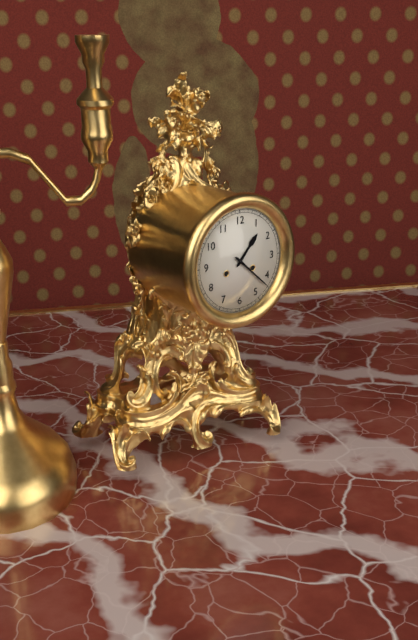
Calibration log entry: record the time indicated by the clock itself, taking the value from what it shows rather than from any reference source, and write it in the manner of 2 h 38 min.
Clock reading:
1 h 22 min
